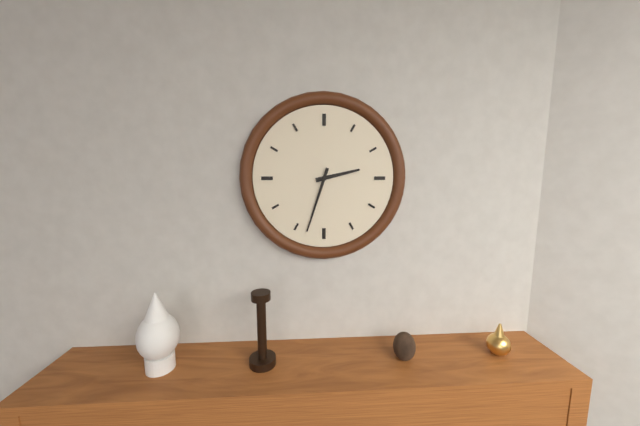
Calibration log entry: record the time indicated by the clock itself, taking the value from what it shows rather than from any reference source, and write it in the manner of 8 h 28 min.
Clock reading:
2 h 33 min
